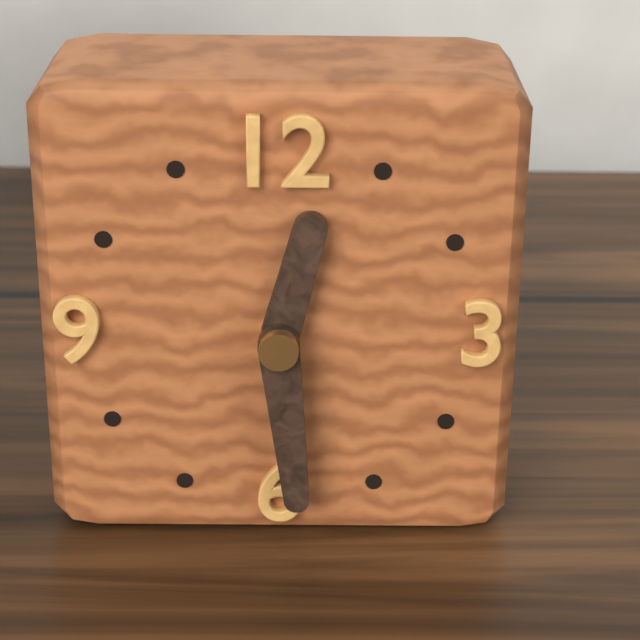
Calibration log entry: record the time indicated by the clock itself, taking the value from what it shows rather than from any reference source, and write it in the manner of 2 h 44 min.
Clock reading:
12 h 29 min
